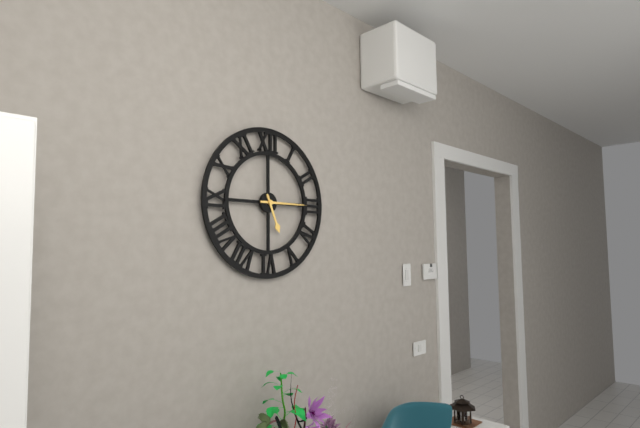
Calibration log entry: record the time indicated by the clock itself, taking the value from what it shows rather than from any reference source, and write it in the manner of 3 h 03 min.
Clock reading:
5 h 15 min
